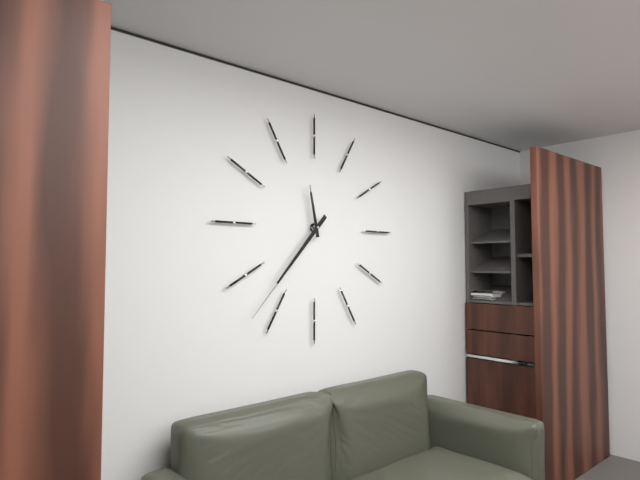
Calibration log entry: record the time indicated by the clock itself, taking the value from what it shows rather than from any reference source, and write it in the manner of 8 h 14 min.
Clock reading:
11 h 37 min
